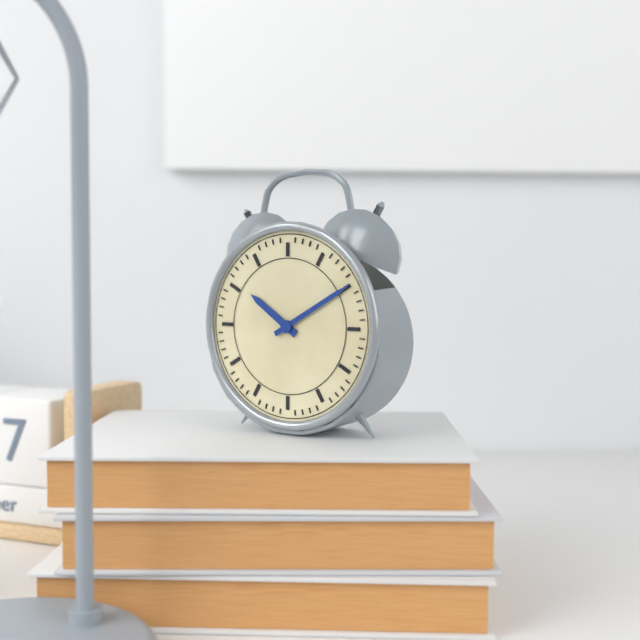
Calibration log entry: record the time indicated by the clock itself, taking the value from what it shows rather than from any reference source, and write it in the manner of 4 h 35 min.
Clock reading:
10 h 10 min
